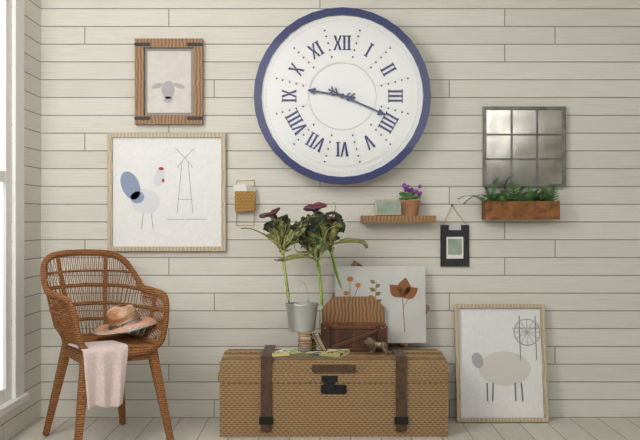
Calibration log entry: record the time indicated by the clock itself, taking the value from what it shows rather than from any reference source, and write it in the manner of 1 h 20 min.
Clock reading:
9 h 19 min
